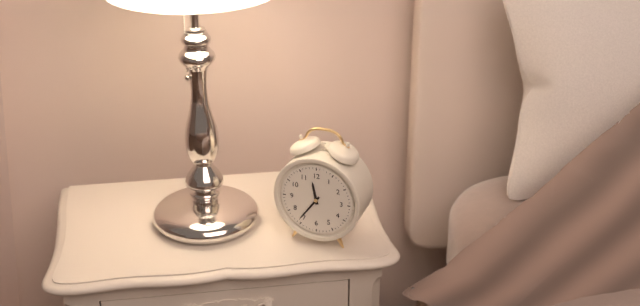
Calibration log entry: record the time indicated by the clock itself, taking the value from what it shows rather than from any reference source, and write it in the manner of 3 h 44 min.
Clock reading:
11 h 36 min
